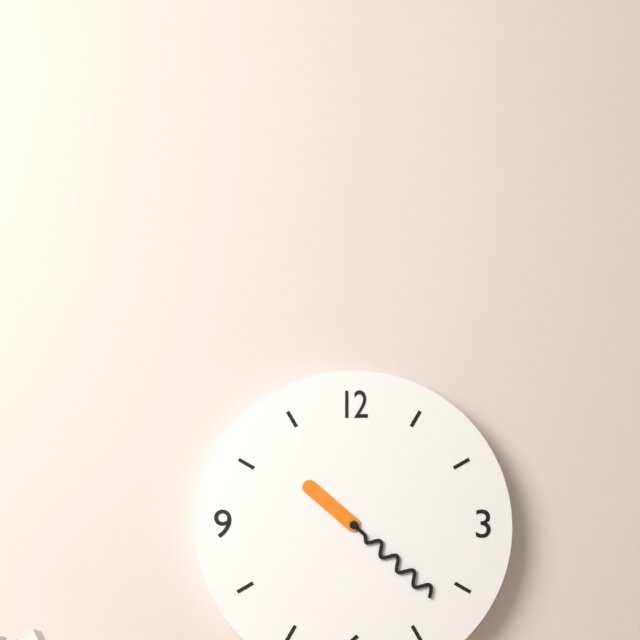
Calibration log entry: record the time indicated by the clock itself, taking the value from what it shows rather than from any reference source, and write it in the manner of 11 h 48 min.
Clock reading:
10 h 22 min
